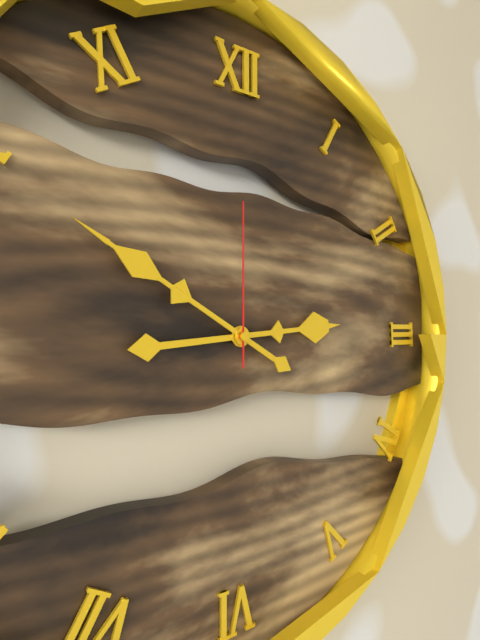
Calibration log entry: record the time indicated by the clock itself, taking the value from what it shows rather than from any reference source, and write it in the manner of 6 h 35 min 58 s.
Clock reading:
2 h 50 min 00 s
